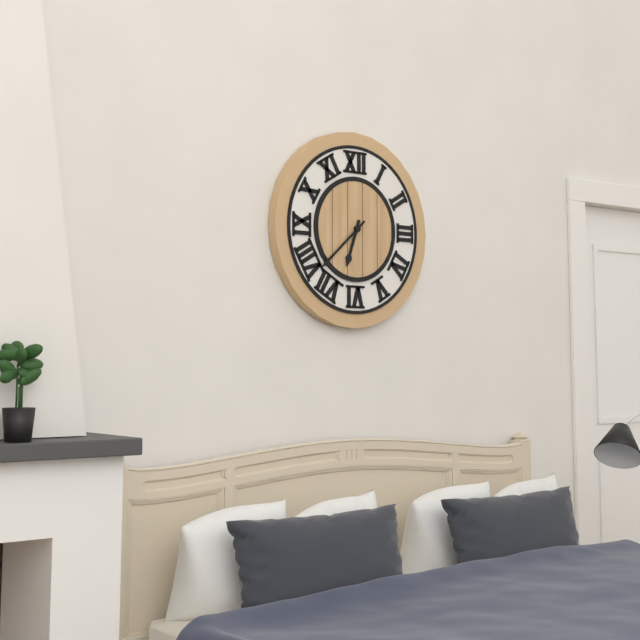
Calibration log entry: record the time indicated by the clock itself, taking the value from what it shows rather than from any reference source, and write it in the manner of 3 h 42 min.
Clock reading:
6 h 38 min
